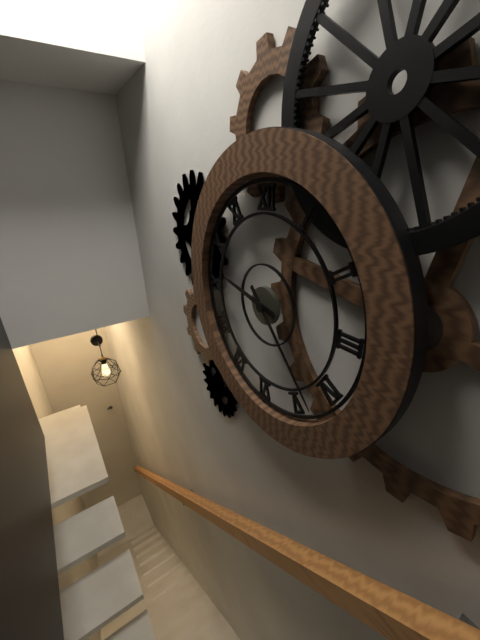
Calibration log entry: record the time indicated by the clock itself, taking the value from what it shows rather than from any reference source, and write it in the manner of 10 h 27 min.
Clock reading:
9 h 23 min
